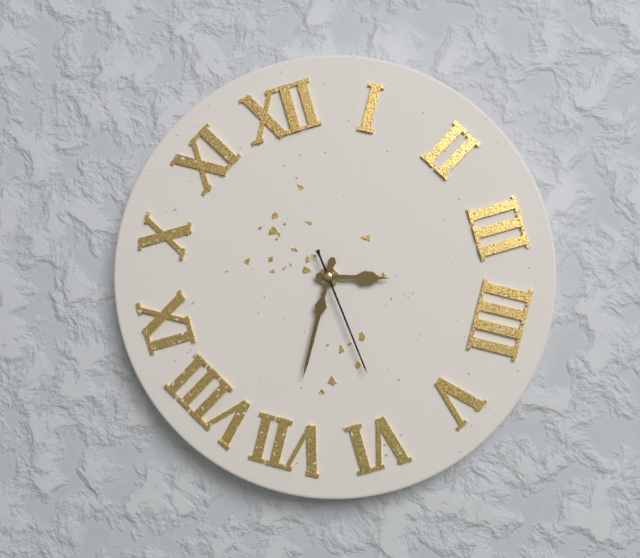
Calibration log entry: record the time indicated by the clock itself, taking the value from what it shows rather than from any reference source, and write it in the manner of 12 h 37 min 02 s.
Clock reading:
3 h 35 min 29 s
